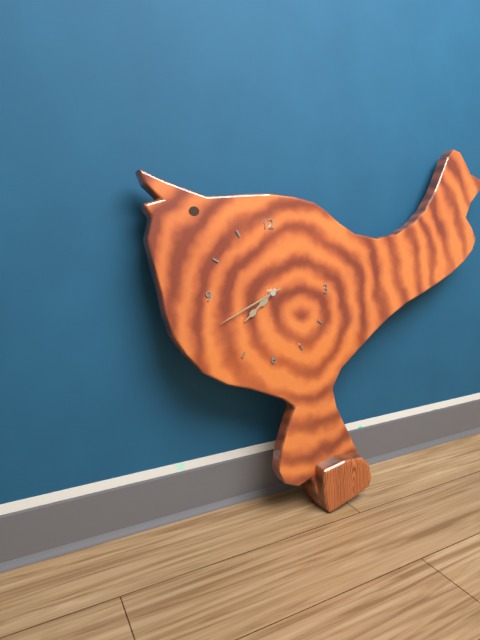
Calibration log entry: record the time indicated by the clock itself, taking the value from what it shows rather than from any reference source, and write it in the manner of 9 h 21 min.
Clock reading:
7 h 41 min
